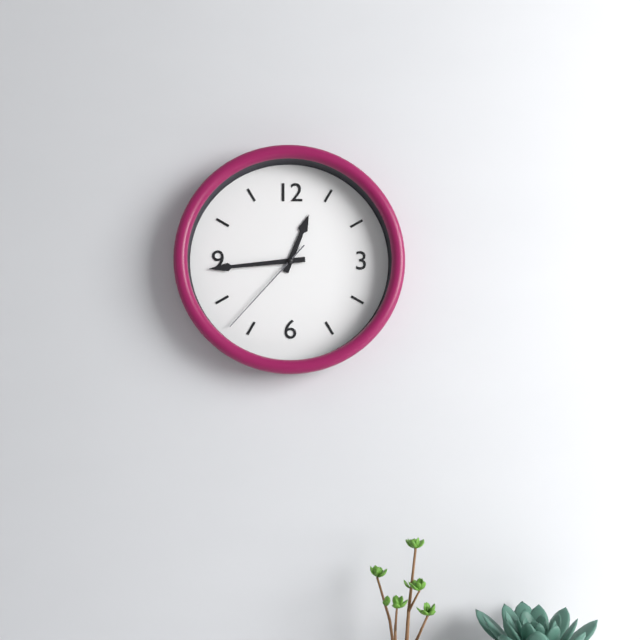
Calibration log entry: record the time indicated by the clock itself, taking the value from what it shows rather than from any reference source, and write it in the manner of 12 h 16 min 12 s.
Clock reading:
12 h 44 min 37 s
